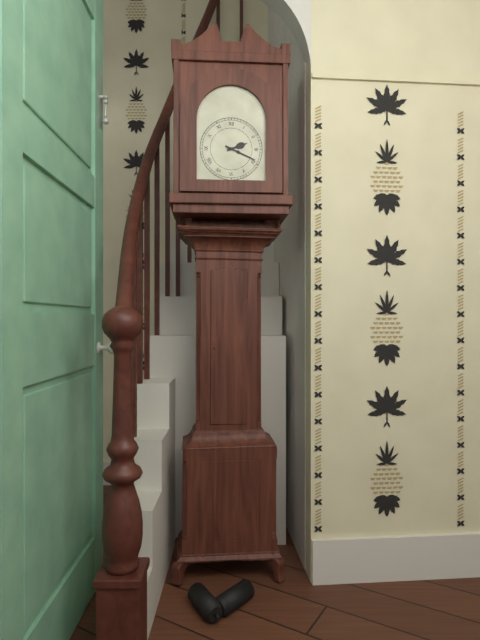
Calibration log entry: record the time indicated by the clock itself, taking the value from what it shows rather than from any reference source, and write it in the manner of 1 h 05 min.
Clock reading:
2 h 19 min
